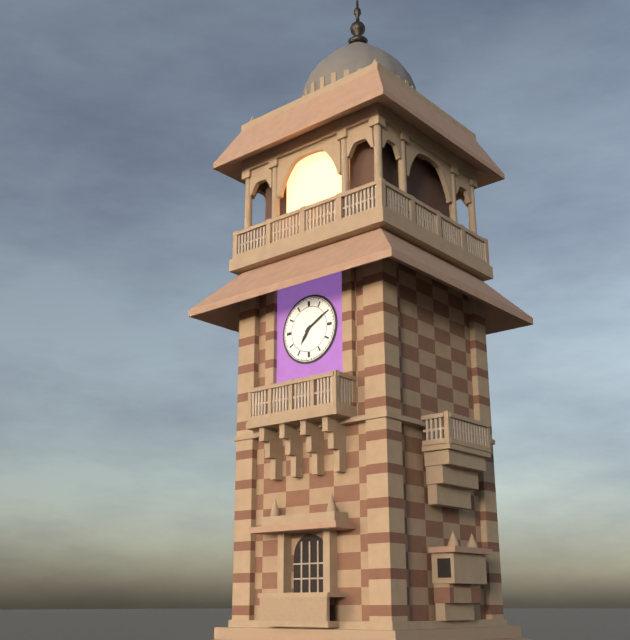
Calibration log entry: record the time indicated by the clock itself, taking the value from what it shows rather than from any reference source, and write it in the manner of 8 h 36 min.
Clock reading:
7 h 10 min
